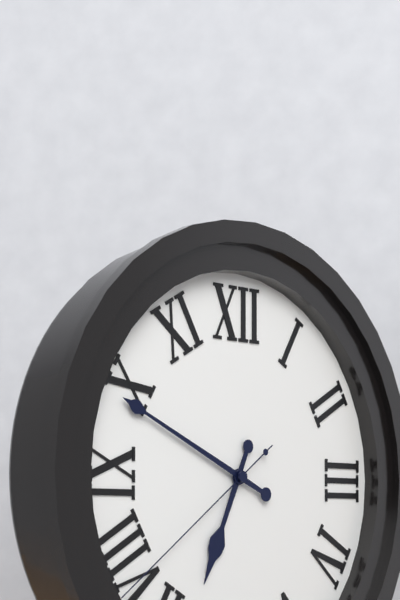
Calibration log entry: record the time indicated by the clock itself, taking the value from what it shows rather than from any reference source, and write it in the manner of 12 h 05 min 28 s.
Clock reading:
6 h 49 min 39 s
